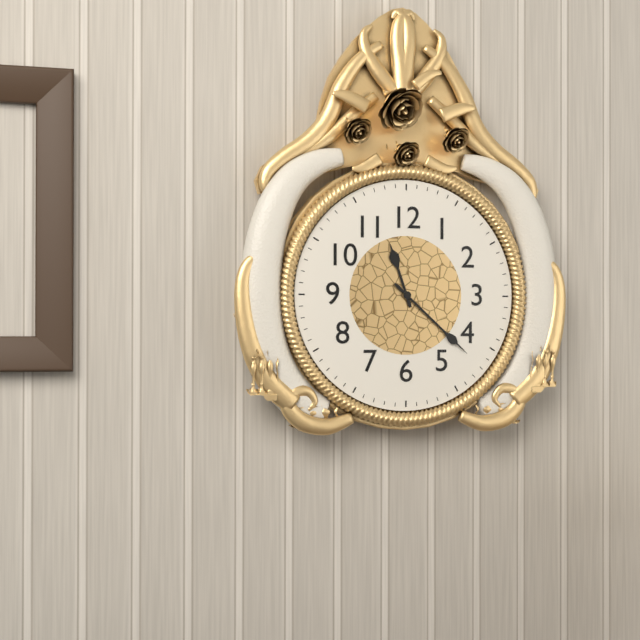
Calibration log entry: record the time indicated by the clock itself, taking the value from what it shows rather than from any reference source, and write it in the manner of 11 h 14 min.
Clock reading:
11 h 22 min
